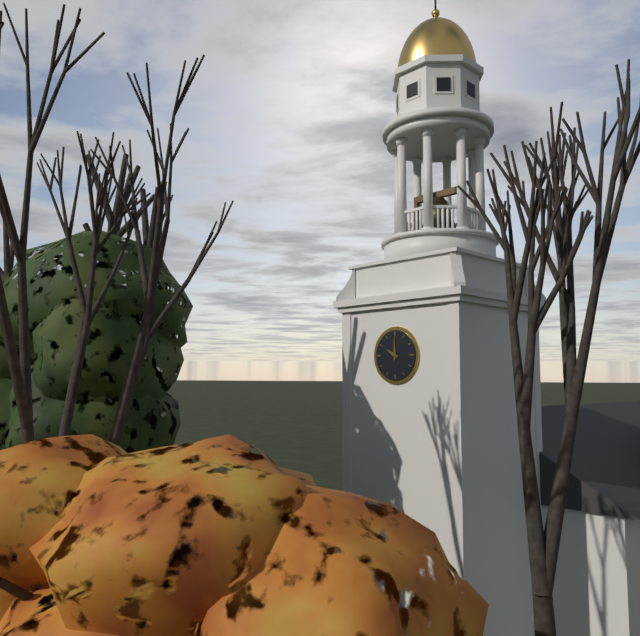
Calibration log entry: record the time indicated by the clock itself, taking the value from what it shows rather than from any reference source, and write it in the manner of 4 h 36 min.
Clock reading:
10 h 00 min
